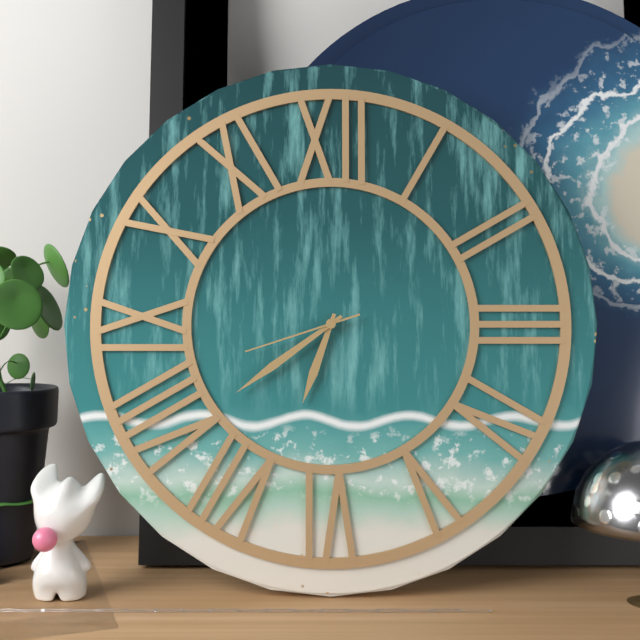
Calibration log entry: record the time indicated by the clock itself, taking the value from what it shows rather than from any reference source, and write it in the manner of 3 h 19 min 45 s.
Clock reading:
6 h 39 min 42 s
